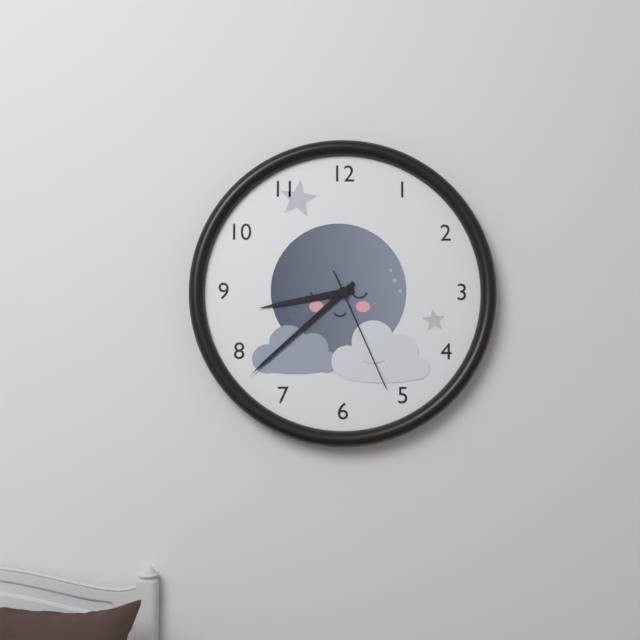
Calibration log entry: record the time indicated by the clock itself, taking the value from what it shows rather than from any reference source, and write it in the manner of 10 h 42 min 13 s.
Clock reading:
8 h 38 min 26 s
